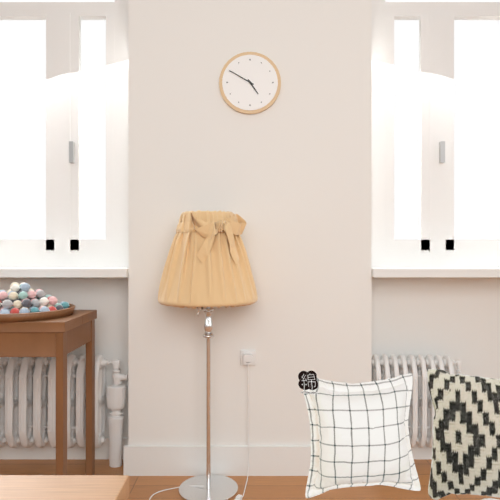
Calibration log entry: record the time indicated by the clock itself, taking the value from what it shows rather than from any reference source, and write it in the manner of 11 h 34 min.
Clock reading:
4 h 50 min
